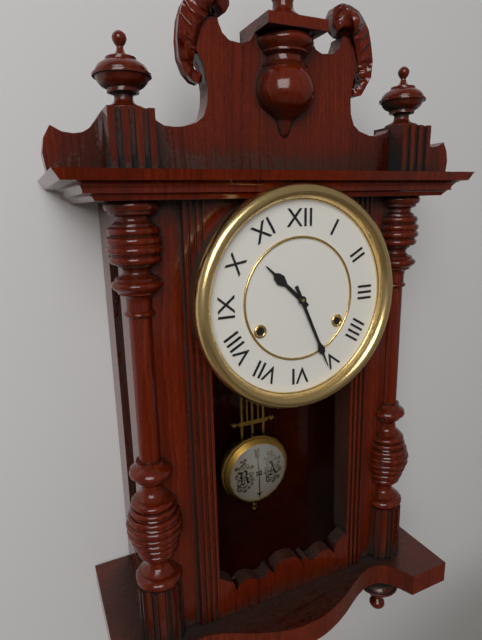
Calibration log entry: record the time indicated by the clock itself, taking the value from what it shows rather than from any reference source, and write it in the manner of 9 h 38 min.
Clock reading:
10 h 26 min
